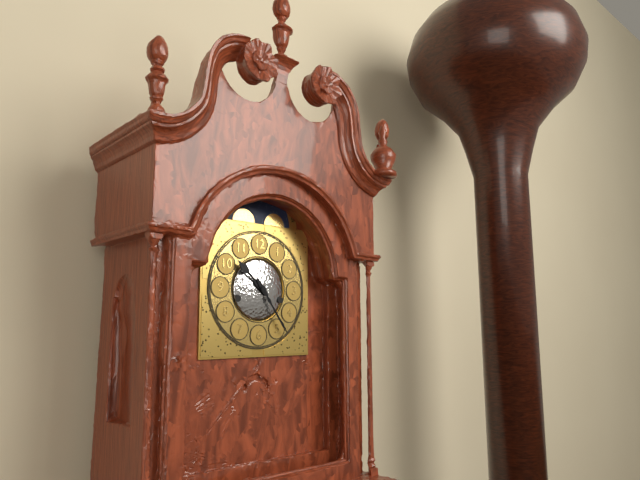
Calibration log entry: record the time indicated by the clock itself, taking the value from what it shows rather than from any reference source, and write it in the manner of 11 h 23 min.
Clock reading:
10 h 24 min
